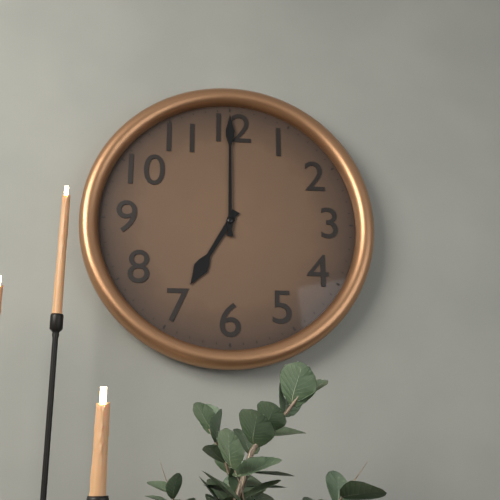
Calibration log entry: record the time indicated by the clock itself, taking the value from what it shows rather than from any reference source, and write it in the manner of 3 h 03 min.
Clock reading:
7 h 00 min
